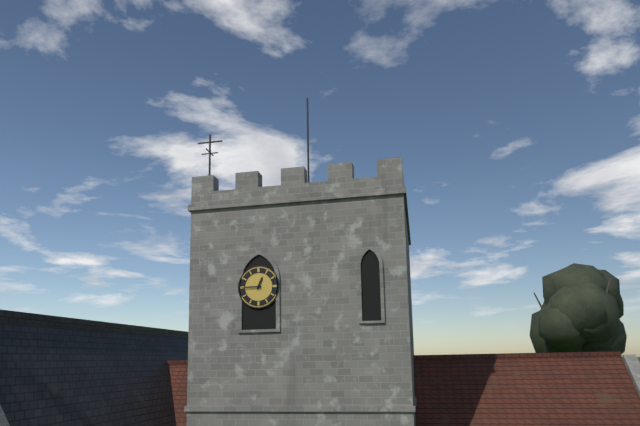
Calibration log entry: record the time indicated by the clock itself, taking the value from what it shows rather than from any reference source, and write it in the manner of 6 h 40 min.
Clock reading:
12 h 45 min
